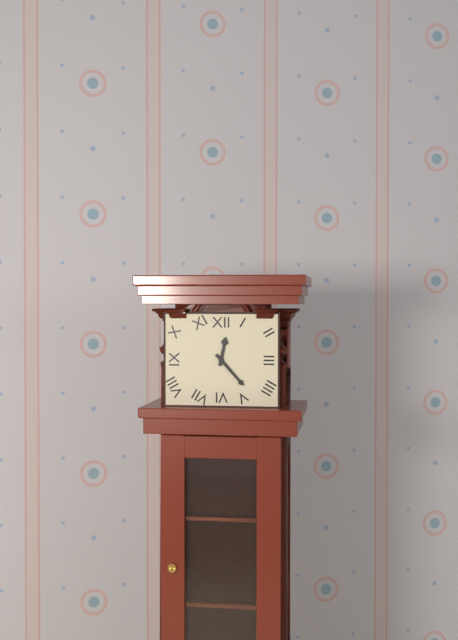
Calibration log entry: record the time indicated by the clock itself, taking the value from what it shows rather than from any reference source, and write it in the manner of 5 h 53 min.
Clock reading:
12 h 23 min
